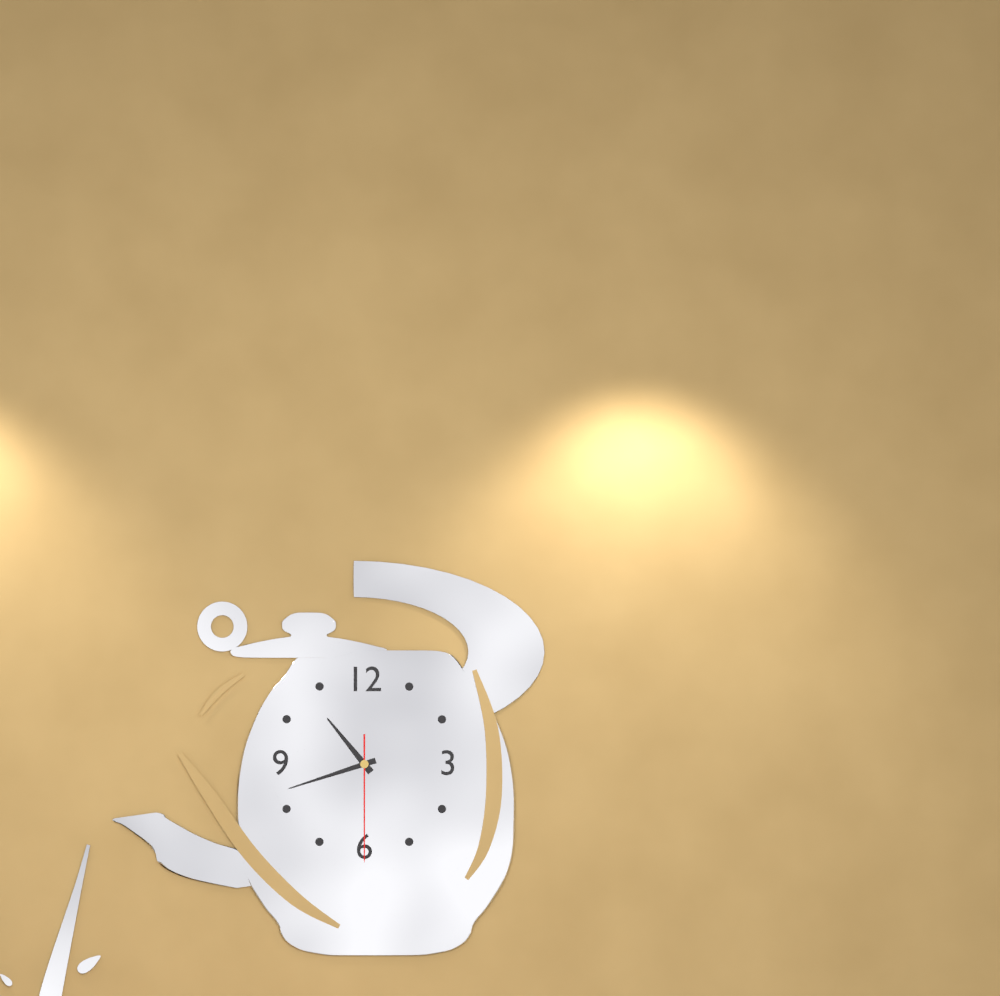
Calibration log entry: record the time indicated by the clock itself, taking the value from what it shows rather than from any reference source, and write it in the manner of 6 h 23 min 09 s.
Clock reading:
10 h 42 min 30 s
